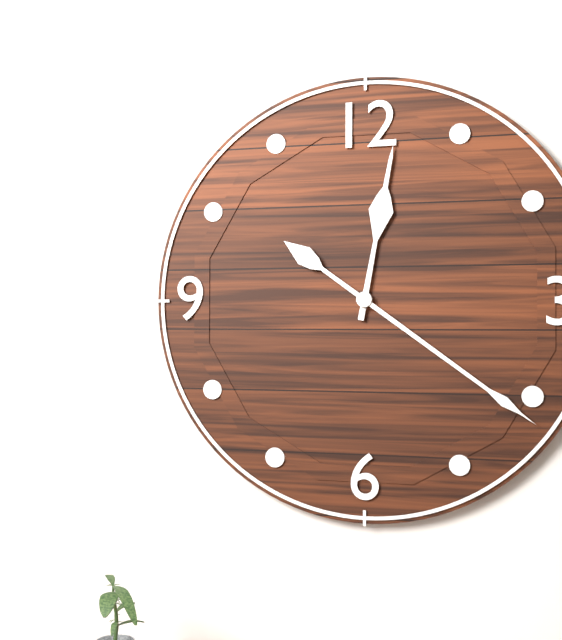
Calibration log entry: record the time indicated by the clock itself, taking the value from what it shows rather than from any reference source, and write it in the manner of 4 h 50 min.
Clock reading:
12 h 21 min
